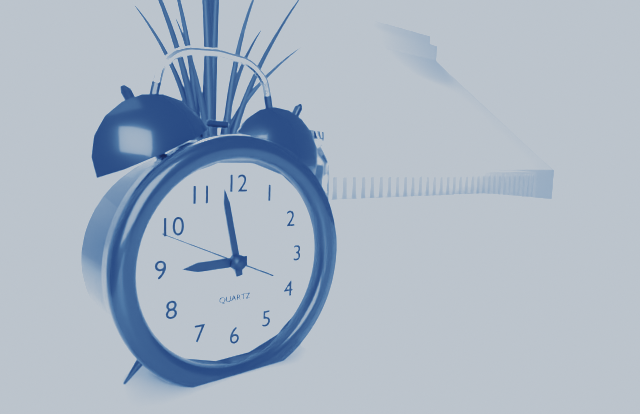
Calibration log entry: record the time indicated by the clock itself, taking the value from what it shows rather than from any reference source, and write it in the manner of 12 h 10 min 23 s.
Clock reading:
8 h 58 min 49 s
